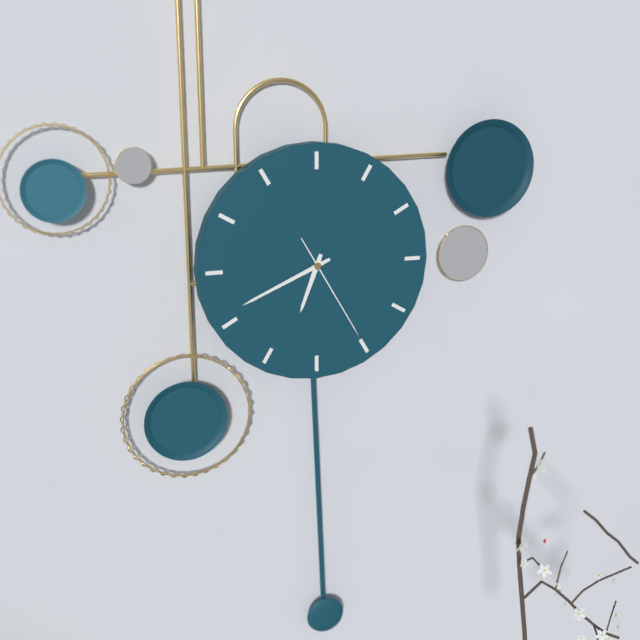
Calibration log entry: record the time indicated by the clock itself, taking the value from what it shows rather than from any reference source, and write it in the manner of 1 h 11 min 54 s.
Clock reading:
6 h 41 min 25 s
